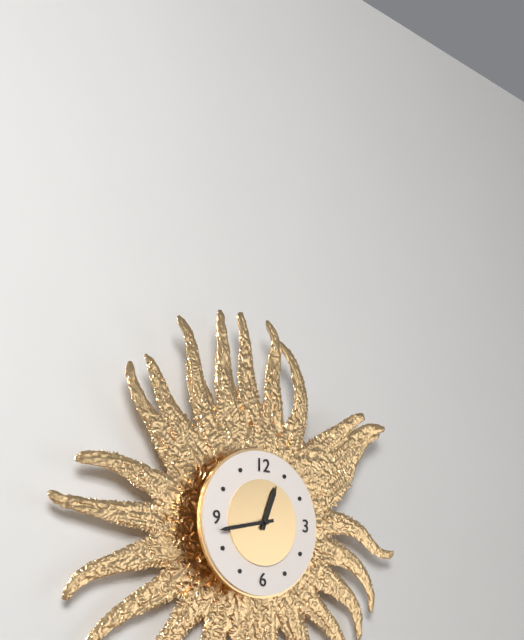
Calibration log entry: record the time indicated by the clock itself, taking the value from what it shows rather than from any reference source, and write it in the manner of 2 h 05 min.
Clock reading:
12 h 43 min
